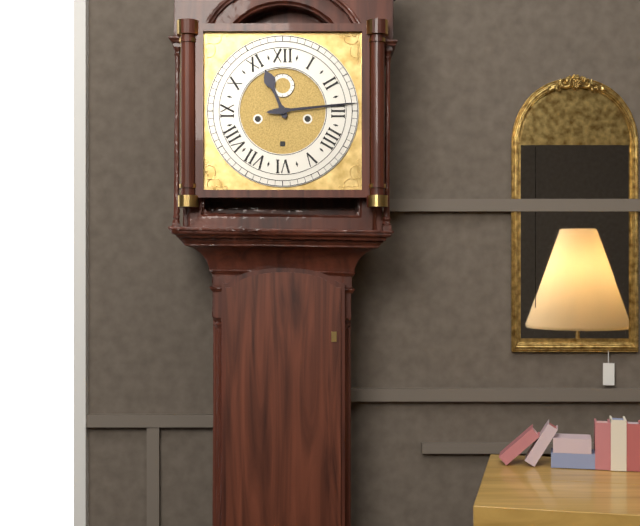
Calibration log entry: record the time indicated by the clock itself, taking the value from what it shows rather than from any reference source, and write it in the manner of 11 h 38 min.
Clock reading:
11 h 14 min
